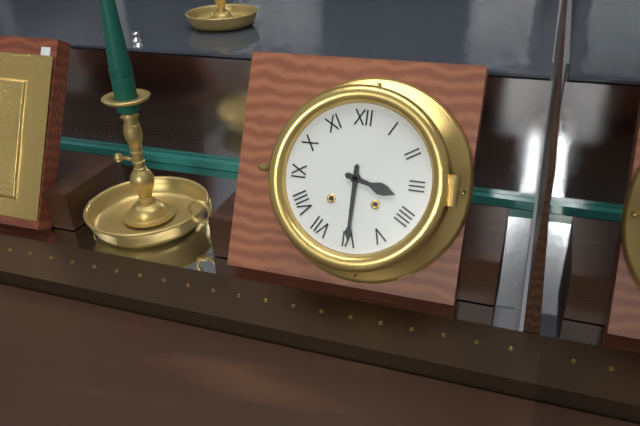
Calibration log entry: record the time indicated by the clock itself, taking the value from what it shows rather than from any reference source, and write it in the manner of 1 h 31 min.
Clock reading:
3 h 30 min
